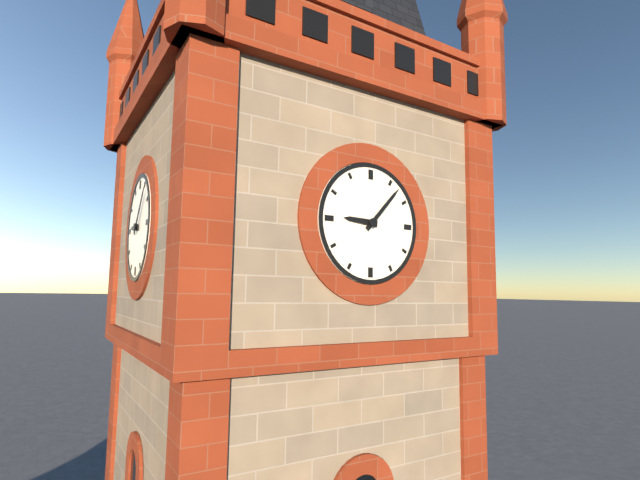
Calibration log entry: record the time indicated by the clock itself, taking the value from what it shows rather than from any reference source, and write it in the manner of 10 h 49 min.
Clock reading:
9 h 07 min
